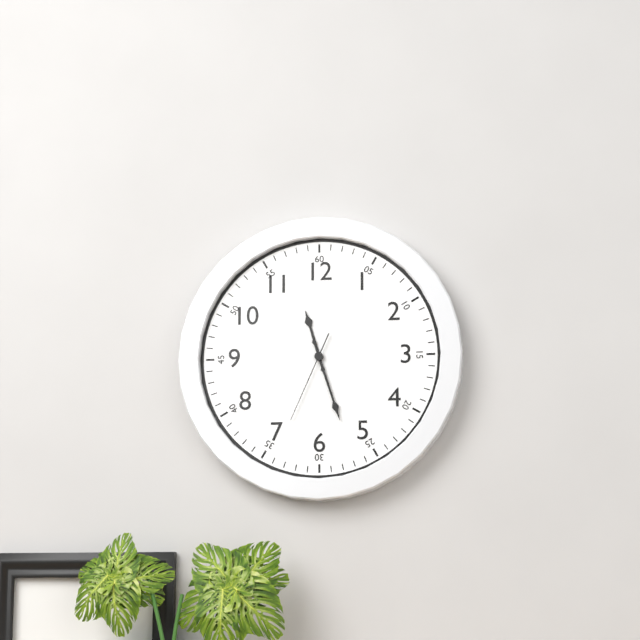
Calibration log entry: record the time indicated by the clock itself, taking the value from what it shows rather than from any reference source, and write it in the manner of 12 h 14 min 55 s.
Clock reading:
11 h 27 min 34 s
